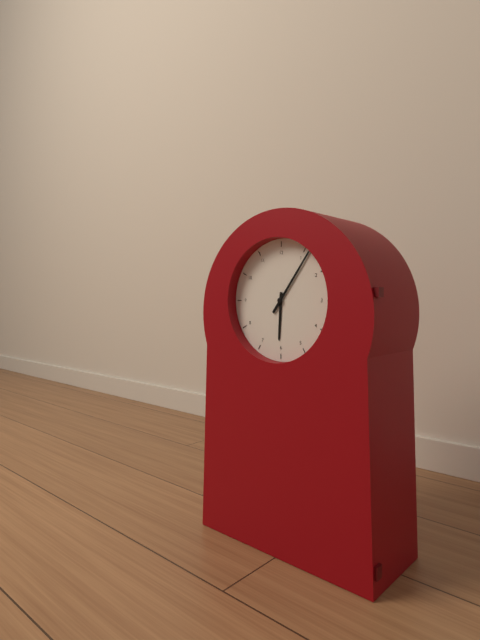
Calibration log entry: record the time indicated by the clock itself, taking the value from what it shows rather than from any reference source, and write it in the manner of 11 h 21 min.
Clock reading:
6 h 06 min
